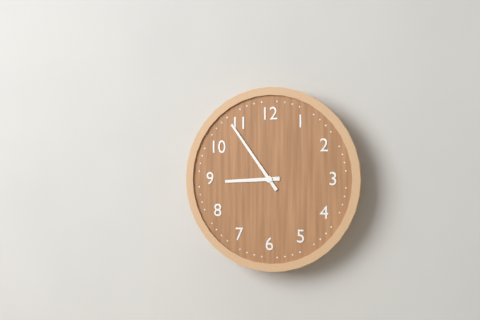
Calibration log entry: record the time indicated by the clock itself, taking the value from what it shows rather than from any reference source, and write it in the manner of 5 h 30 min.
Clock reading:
8 h 54 min
